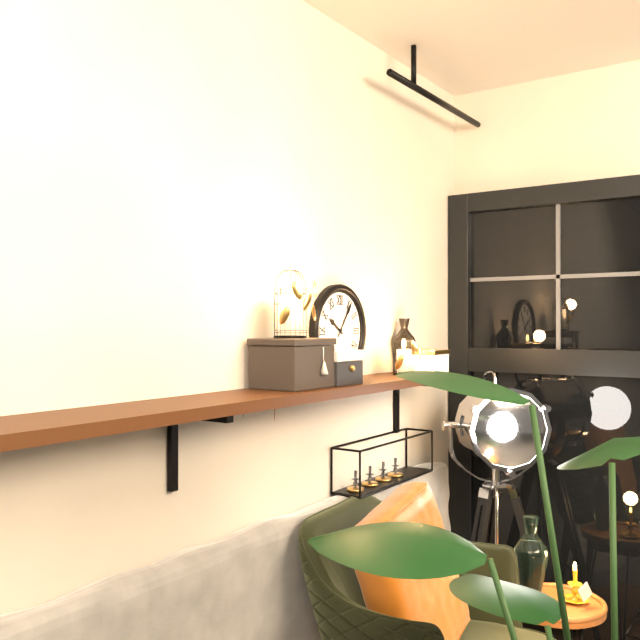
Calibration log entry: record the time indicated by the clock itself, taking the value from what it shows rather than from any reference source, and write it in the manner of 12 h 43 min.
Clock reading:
10 h 06 min
